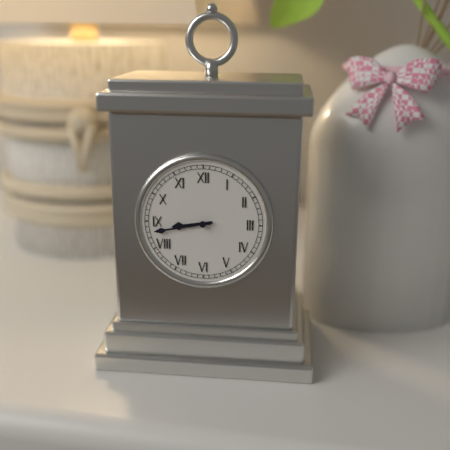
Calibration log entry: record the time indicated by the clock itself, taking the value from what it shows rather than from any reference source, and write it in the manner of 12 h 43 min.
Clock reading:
8 h 43 min
